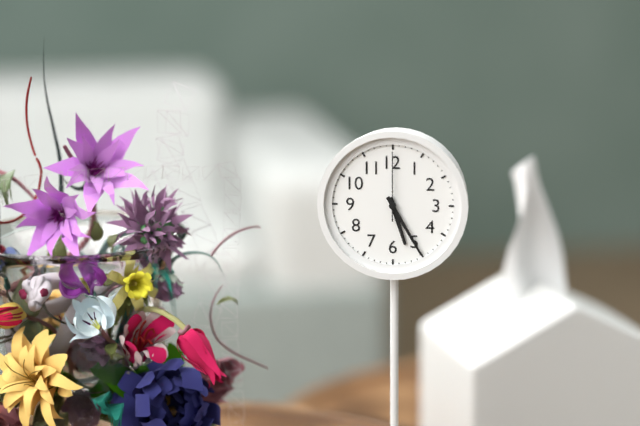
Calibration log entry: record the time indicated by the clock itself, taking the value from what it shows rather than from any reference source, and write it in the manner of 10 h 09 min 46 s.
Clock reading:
5 h 25 min 00 s
